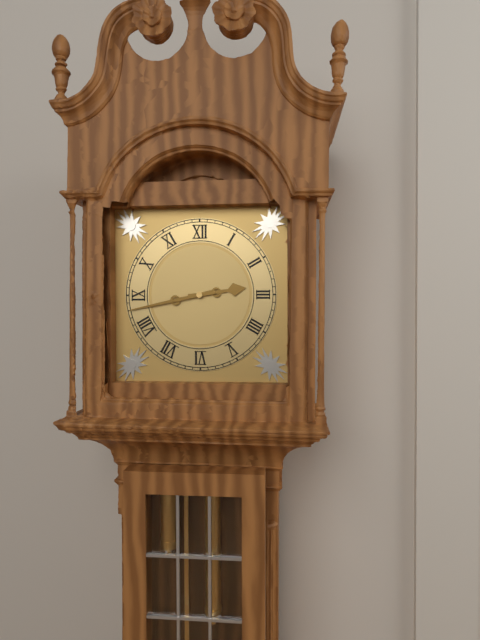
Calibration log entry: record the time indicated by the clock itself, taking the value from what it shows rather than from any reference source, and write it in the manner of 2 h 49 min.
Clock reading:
2 h 43 min
